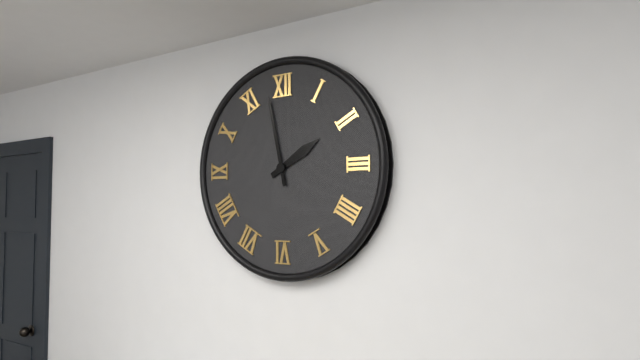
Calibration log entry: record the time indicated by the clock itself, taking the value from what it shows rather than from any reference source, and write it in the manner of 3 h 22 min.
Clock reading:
1 h 58 min
